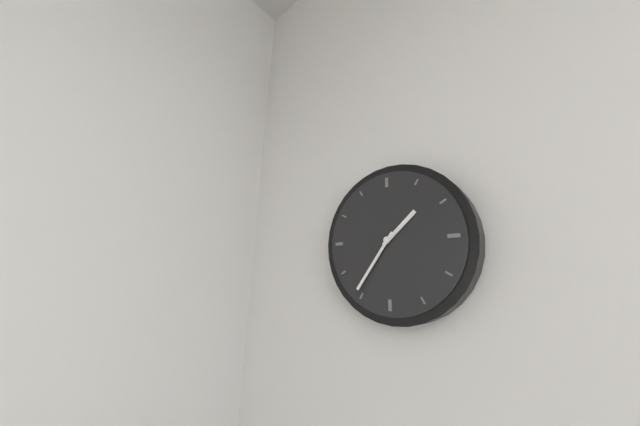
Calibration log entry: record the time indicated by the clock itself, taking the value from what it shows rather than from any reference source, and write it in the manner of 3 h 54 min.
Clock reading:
1 h 36 min
